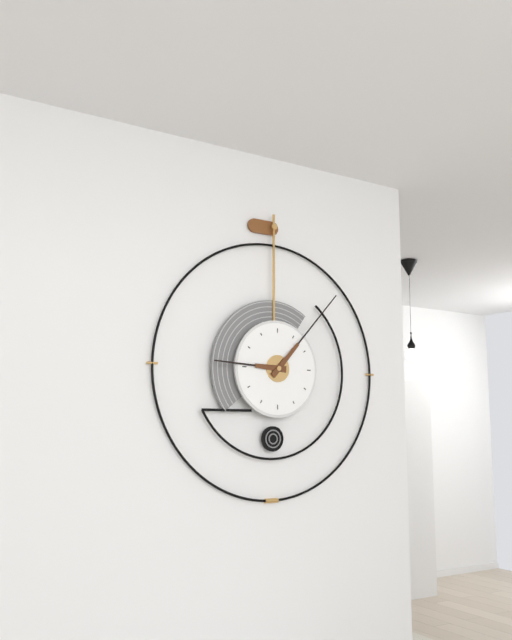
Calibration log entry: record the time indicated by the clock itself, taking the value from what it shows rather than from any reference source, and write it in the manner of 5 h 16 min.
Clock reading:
9 h 07 min
